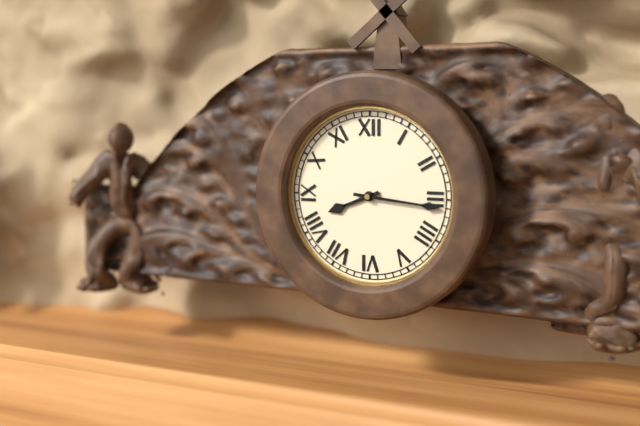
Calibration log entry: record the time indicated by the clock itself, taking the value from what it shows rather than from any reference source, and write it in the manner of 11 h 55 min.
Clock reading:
8 h 16 min
